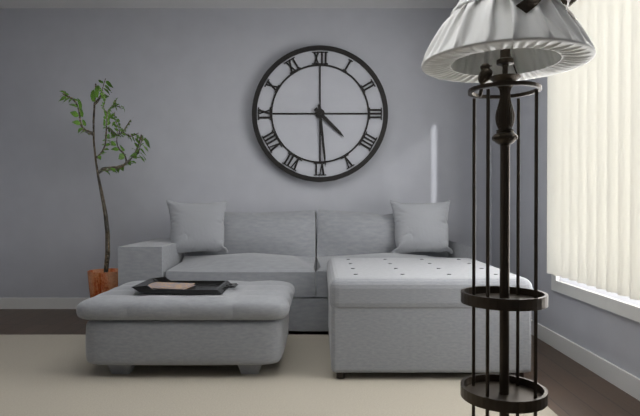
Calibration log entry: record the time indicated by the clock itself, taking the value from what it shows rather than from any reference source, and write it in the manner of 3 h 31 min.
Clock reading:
4 h 29 min
